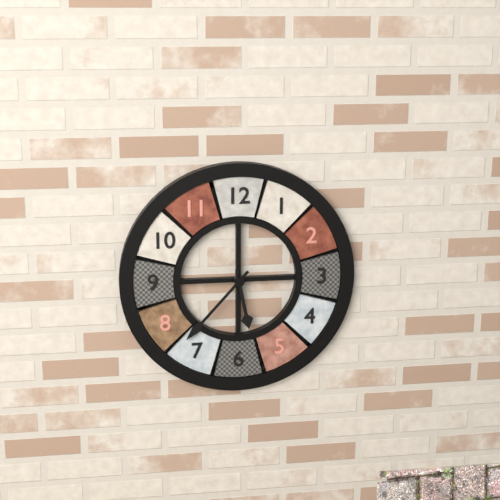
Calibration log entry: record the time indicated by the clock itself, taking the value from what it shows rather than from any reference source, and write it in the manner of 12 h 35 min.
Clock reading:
5 h 37 min
